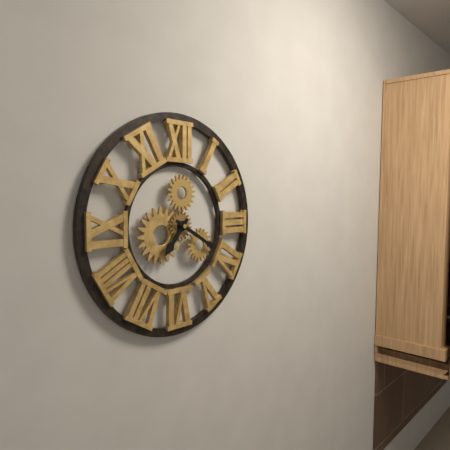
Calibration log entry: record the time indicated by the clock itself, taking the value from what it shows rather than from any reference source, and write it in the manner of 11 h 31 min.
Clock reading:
7 h 20 min
